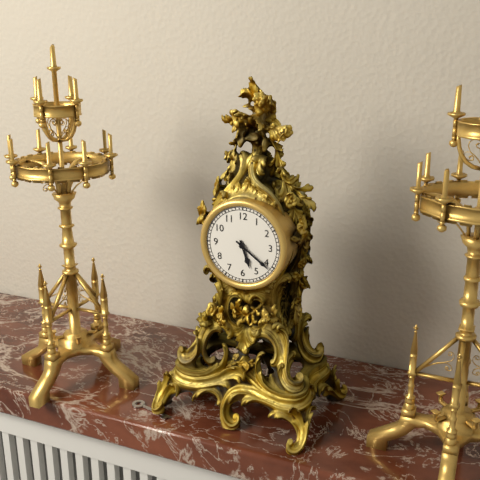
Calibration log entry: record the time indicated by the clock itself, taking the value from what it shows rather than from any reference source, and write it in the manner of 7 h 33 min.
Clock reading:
5 h 21 min
